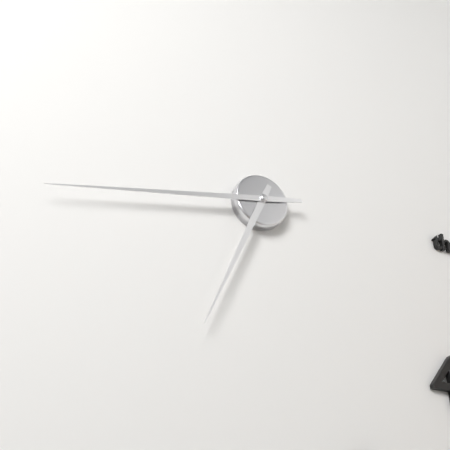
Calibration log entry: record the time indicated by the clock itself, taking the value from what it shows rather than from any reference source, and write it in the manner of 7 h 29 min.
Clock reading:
6 h 43 min
